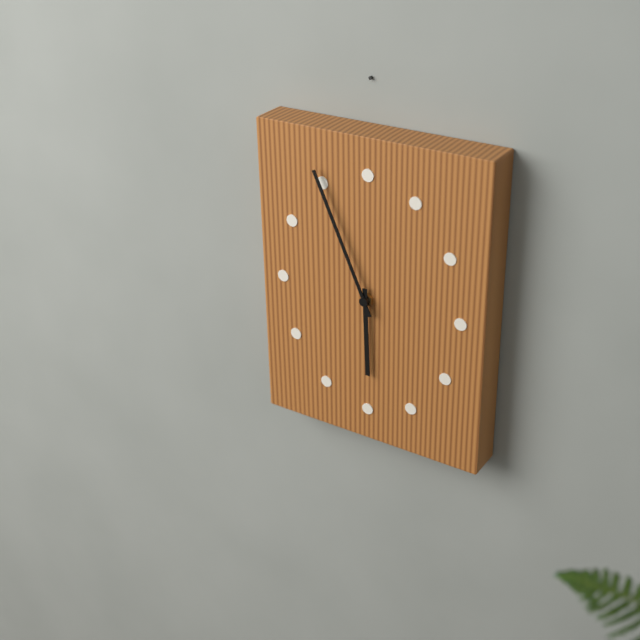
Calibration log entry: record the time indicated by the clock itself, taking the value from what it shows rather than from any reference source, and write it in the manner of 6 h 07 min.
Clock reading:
5 h 56 min
